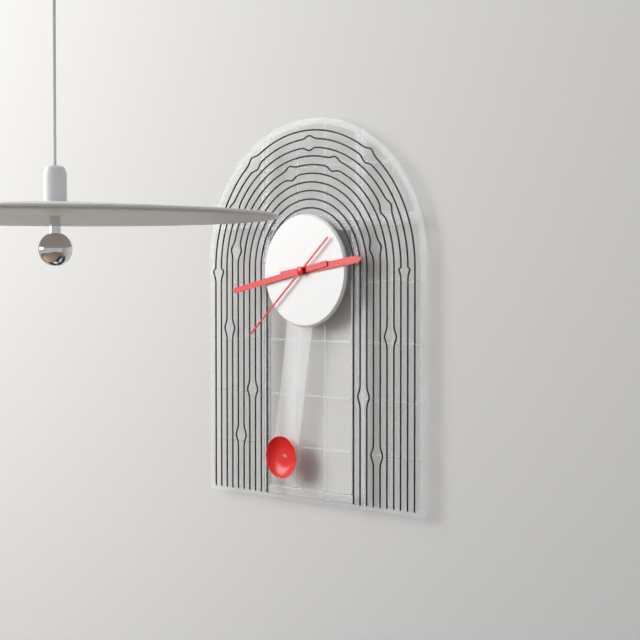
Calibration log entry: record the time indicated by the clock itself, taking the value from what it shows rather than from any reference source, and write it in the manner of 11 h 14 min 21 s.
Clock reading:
2 h 43 min 38 s
